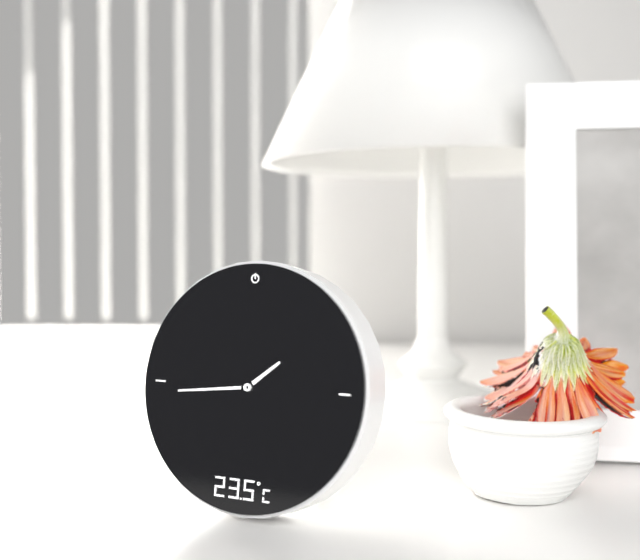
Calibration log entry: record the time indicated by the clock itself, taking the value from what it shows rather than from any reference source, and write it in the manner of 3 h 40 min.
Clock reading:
1 h 44 min
